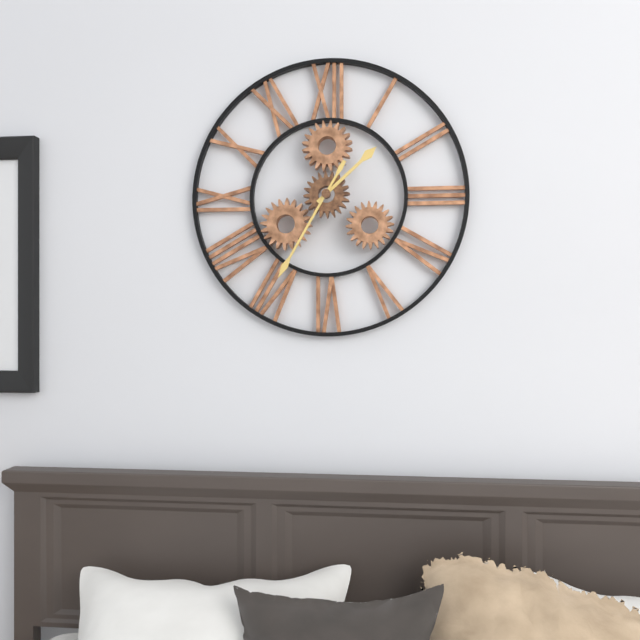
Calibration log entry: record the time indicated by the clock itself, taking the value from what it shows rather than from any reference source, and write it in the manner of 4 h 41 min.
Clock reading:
1 h 35 min
